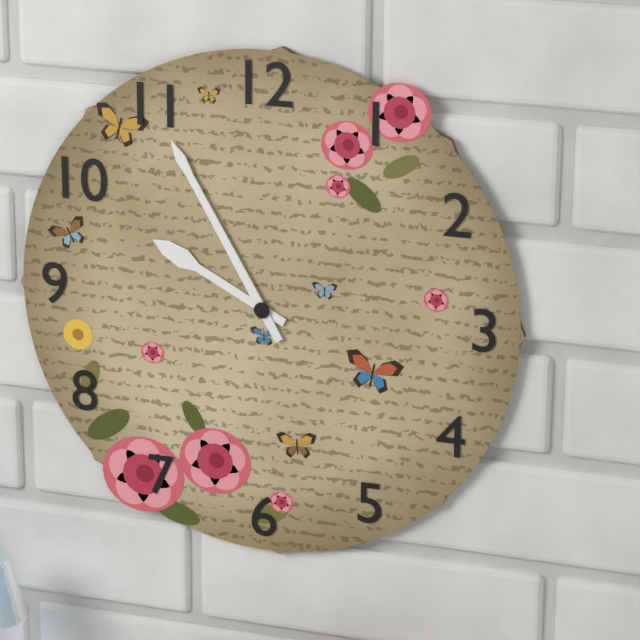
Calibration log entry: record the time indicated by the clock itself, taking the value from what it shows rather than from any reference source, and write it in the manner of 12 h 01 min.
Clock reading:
9 h 55 min
